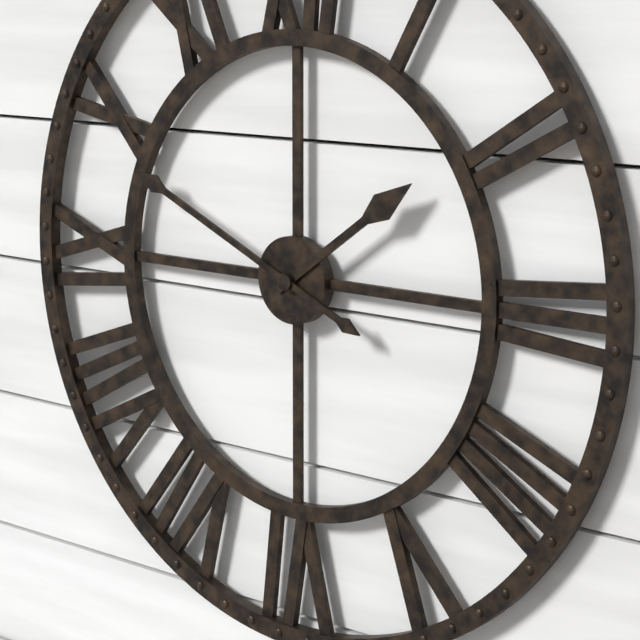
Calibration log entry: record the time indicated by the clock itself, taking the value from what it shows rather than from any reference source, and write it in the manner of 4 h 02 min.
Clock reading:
1 h 49 min
